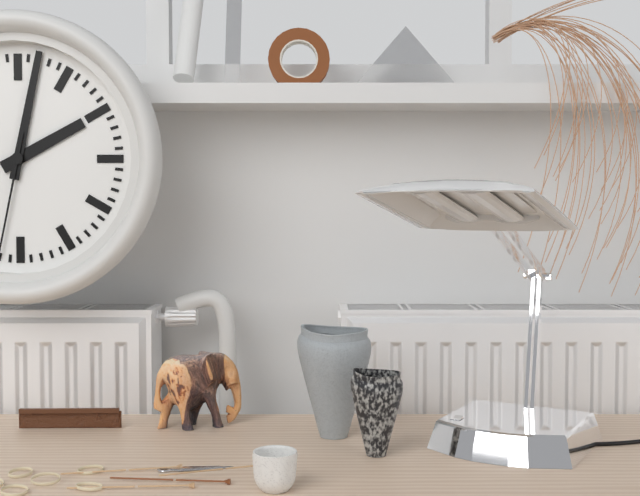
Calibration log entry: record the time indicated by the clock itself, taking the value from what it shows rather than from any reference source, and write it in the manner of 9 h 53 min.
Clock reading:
2 h 02 min
